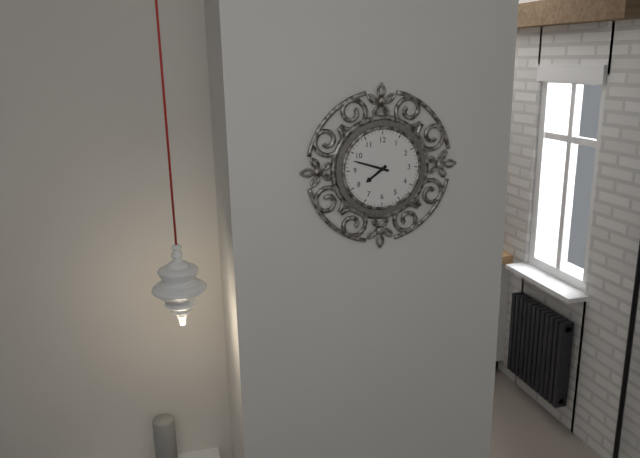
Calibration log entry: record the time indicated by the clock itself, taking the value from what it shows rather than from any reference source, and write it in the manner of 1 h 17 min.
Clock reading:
7 h 48 min
